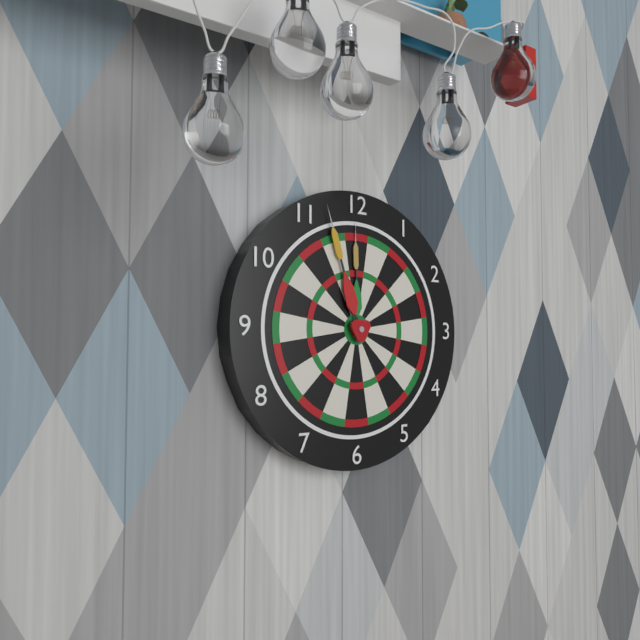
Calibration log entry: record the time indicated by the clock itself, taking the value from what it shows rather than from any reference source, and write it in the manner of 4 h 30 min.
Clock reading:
11 h 57 min
